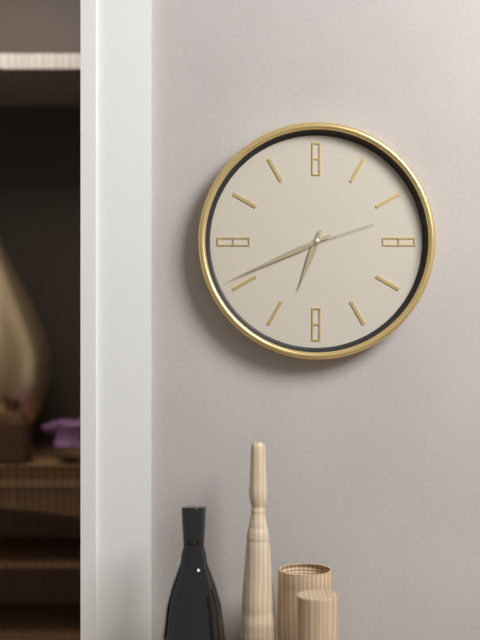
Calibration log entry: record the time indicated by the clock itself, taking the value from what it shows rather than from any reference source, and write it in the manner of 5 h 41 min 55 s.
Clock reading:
6 h 41 min 12 s
